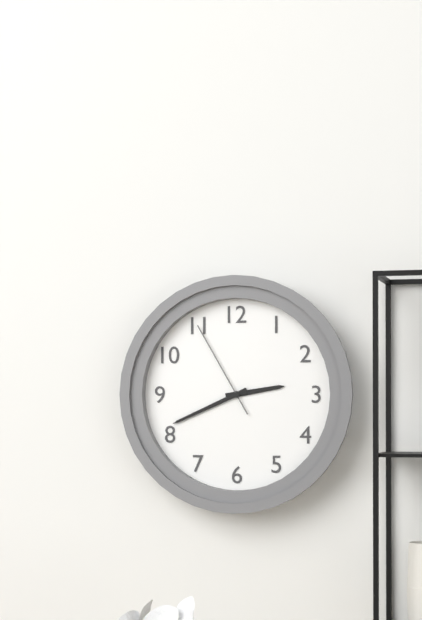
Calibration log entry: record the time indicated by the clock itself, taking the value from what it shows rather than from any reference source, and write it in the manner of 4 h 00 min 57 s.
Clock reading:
2 h 41 min 55 s
